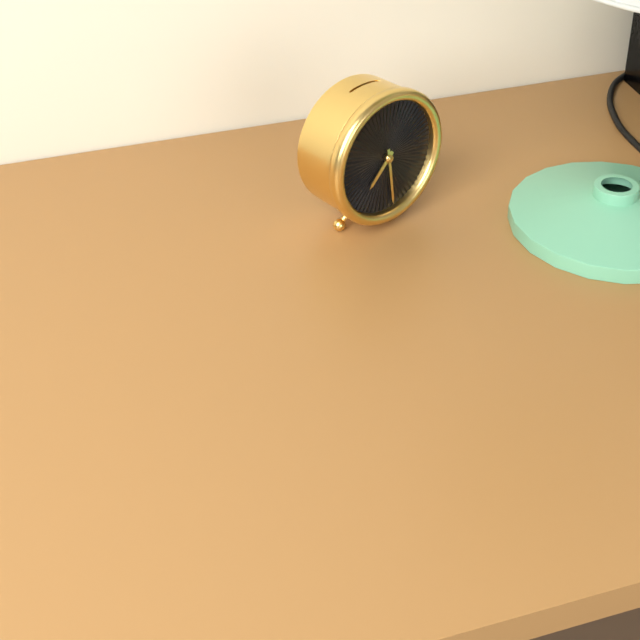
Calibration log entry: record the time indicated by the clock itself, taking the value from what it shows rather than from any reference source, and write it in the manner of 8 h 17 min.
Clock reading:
7 h 29 min
